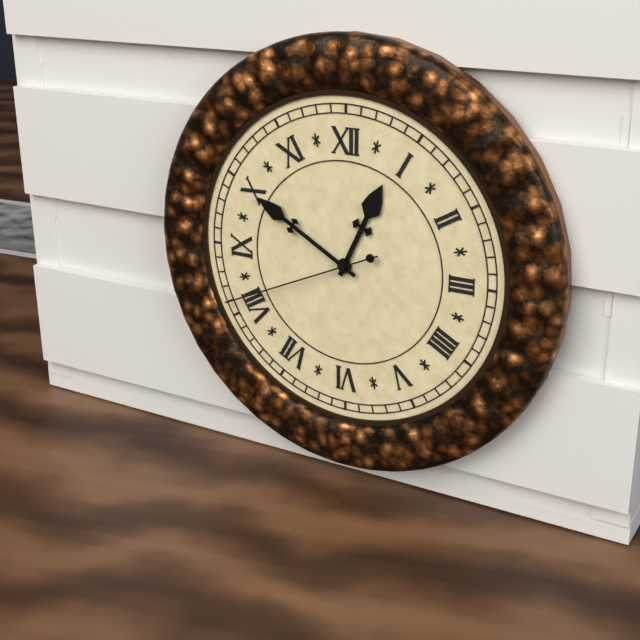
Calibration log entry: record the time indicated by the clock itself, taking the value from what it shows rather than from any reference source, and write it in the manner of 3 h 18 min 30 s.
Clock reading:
12 h 50 min 41 s
